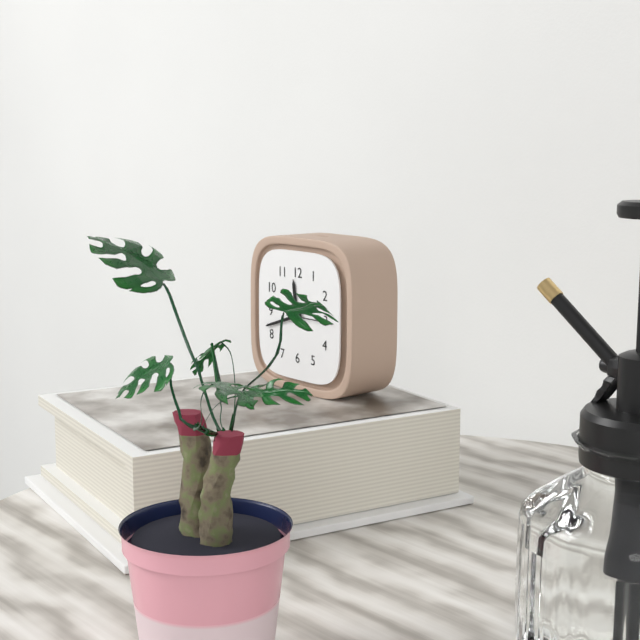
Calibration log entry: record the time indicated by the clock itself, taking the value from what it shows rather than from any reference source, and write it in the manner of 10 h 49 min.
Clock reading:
11 h 42 min
